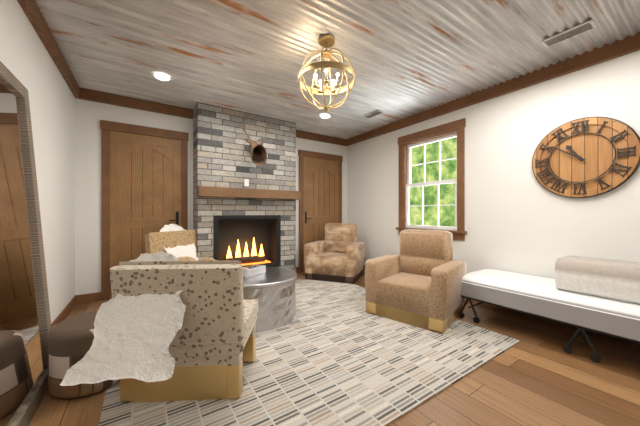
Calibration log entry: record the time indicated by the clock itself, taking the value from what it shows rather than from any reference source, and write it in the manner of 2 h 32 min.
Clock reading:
10 h 51 min
